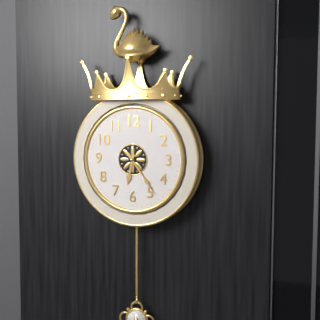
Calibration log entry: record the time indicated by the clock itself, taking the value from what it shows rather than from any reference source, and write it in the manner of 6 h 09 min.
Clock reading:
6 h 24 min
